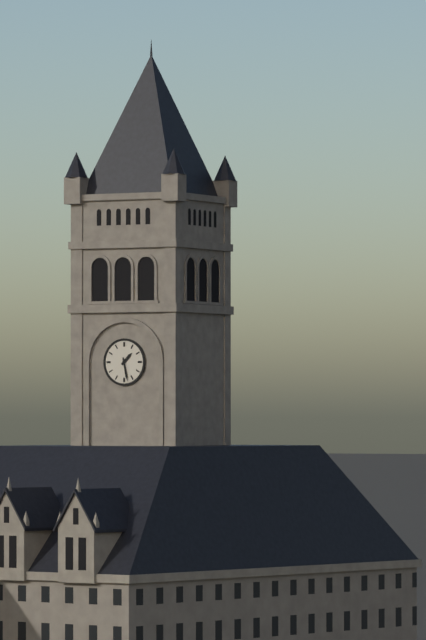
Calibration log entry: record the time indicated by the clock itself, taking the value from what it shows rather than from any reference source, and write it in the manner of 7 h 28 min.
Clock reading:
1 h 28 min
